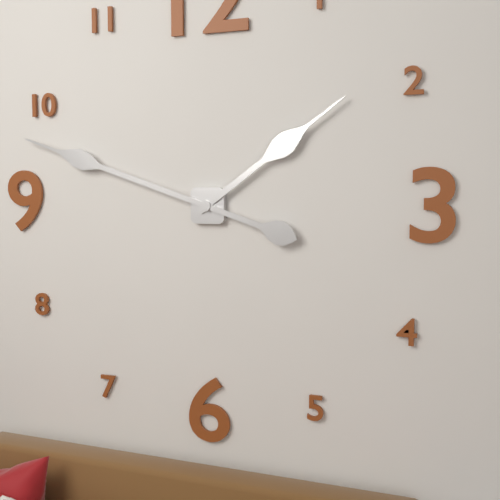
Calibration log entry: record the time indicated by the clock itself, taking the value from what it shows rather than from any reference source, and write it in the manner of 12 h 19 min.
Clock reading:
1 h 48 min
